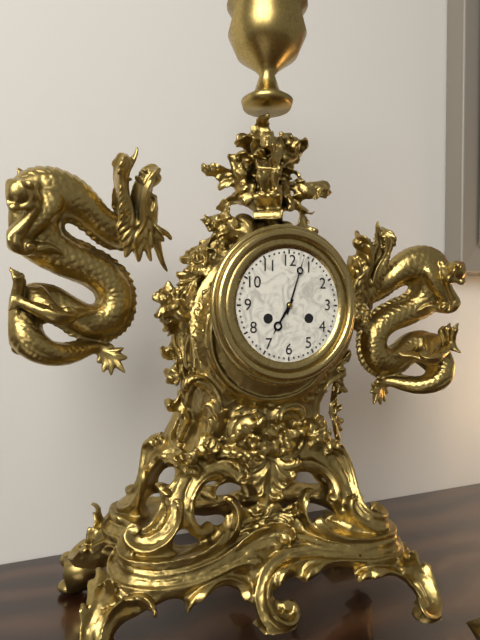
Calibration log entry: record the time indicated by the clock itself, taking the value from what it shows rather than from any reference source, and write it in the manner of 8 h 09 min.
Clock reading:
7 h 03 min
